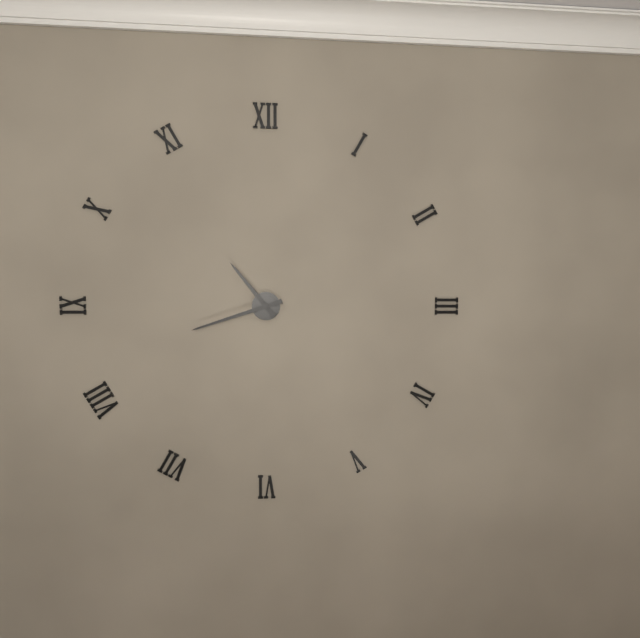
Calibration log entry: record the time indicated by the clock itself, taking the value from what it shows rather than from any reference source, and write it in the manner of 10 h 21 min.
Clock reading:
10 h 42 min
